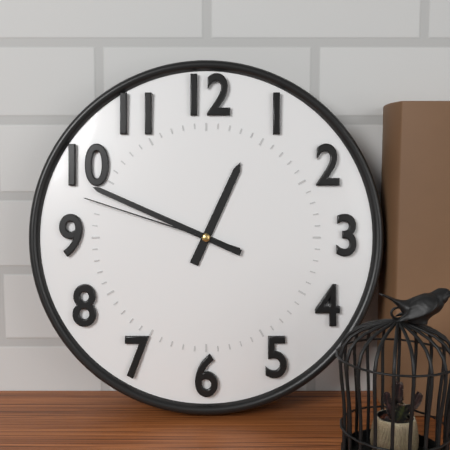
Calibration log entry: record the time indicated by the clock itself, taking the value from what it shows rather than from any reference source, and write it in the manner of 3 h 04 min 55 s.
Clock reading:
12 h 49 min 48 s
